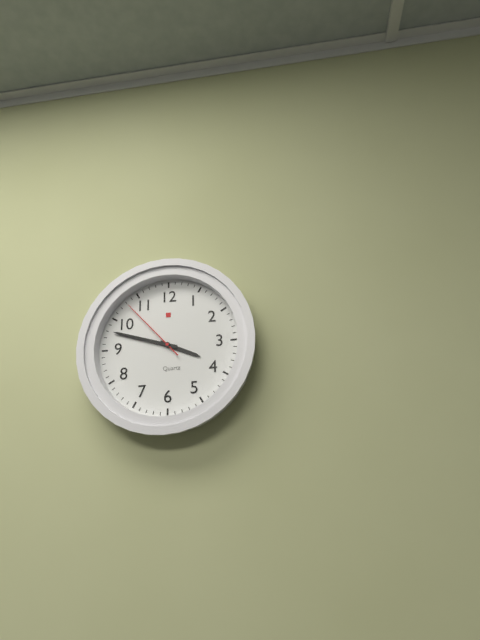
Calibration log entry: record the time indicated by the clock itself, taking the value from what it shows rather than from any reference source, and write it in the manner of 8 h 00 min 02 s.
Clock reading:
3 h 48 min 53 s
